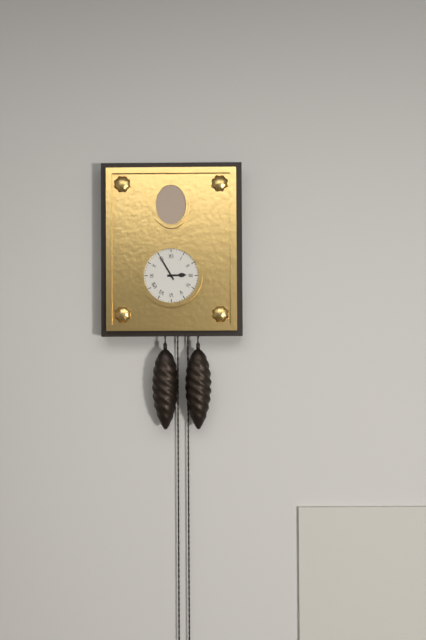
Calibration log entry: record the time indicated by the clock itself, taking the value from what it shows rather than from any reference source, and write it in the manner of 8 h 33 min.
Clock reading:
2 h 55 min
